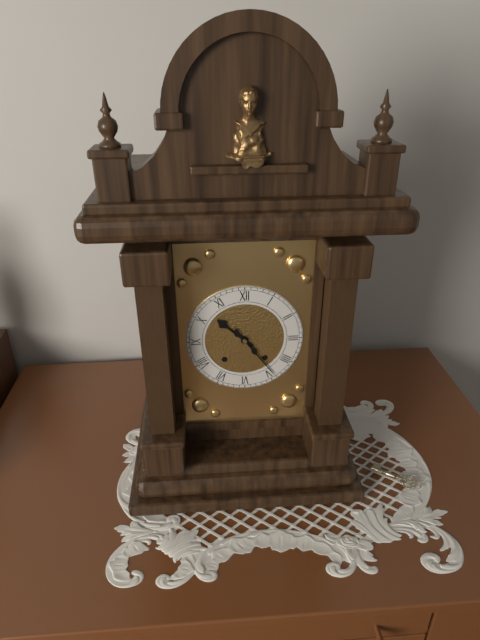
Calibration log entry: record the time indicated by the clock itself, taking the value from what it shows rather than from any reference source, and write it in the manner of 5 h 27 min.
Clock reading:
10 h 24 min
